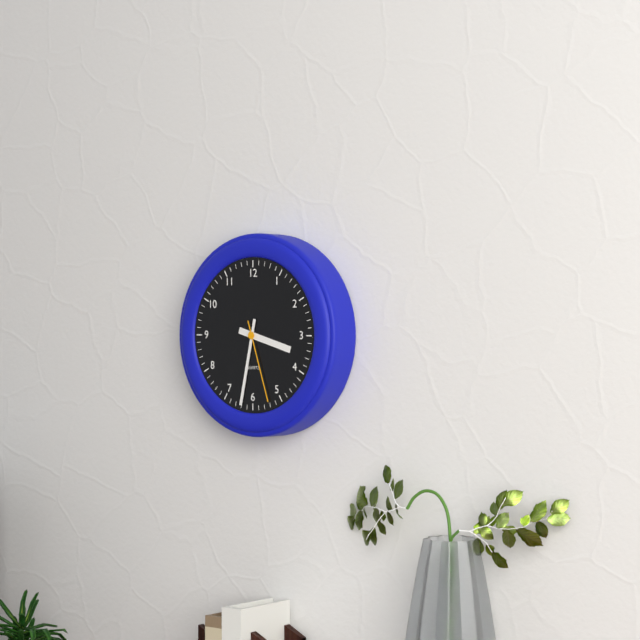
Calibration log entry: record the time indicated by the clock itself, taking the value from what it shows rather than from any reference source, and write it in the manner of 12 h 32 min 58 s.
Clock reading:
3 h 32 min 27 s
